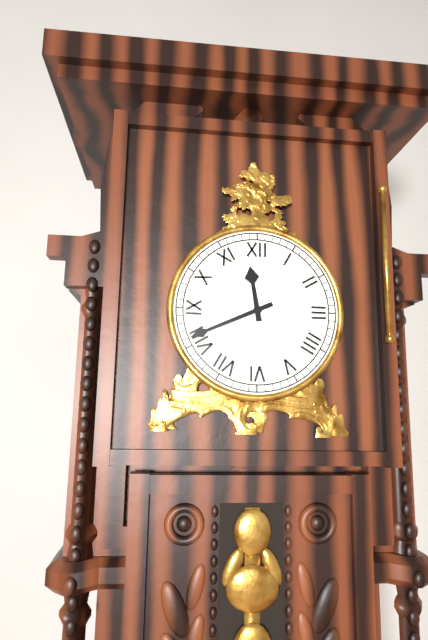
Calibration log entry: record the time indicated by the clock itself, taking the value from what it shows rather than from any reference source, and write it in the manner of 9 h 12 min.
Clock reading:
11 h 41 min
